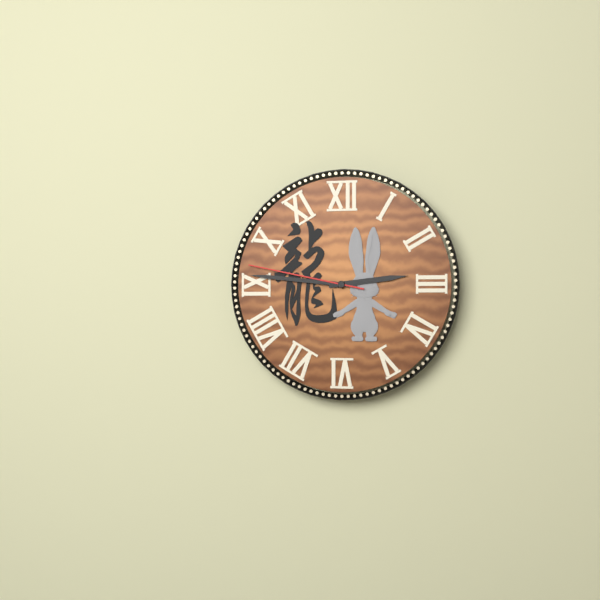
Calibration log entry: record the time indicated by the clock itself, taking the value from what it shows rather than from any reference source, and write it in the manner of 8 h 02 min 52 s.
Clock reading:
2 h 46 min 47 s
